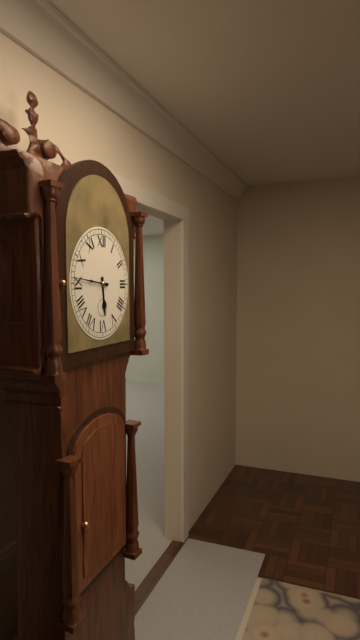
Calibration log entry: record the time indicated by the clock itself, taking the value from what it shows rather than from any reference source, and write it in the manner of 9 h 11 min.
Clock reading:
5 h 46 min
